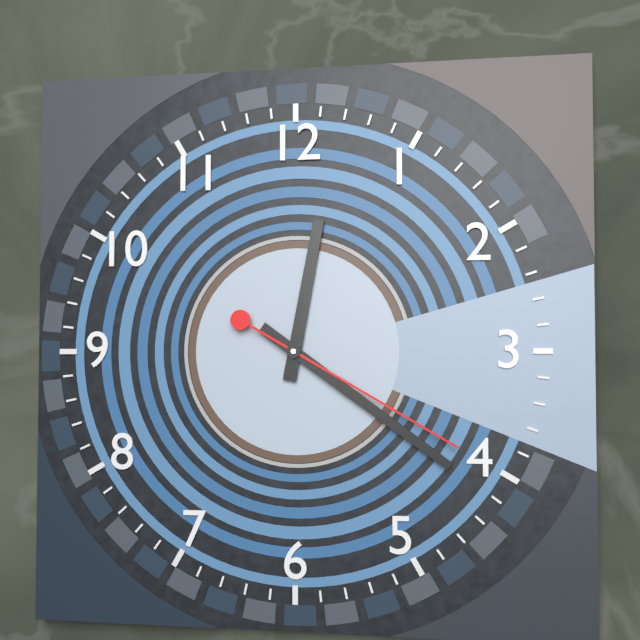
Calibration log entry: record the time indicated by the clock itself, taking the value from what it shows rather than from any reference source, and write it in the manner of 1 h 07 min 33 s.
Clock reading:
12 h 21 min 20 s
